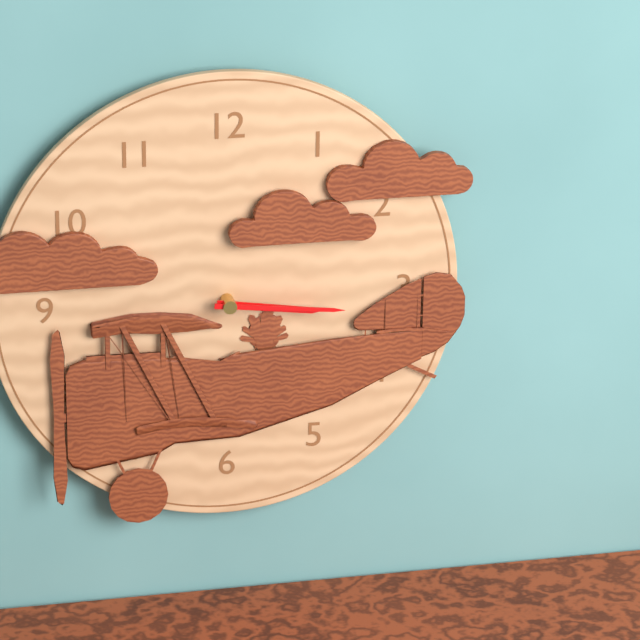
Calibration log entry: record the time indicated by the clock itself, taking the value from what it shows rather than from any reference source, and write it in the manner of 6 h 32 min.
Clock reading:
3 h 16 min
